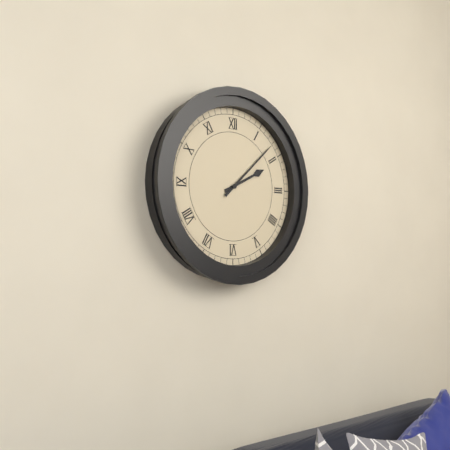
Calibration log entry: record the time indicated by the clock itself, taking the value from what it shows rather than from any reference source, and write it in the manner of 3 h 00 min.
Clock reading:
2 h 08 min
